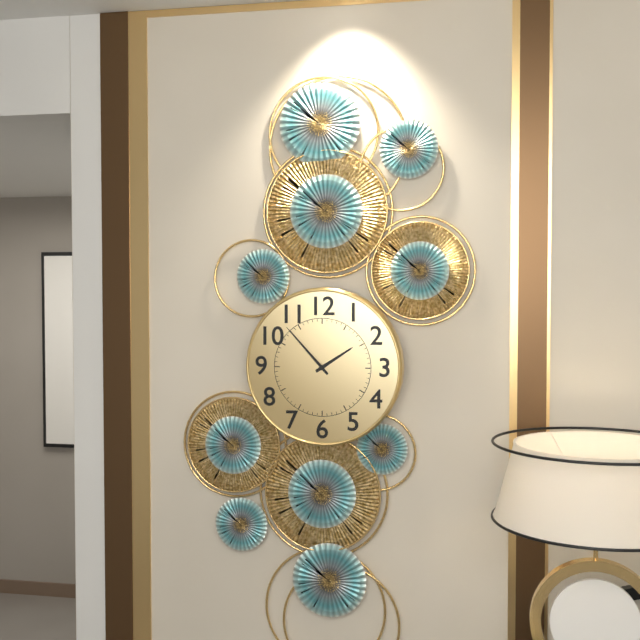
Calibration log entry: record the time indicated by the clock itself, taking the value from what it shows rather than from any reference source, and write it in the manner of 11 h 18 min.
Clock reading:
1 h 53 min
